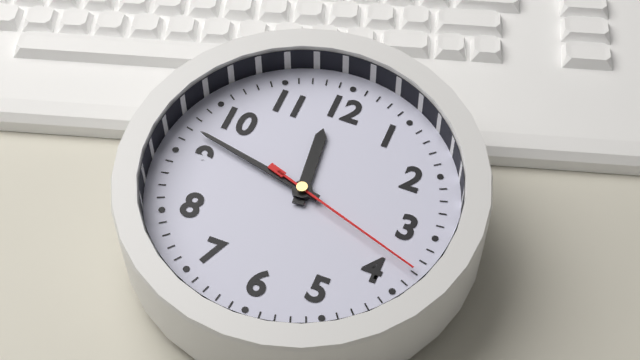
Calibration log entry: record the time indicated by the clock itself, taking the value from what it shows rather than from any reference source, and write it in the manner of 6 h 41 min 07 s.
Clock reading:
11 h 47 min 18 s
